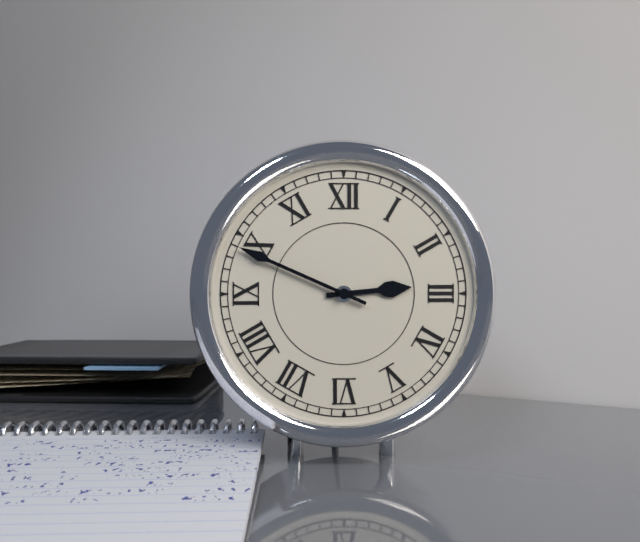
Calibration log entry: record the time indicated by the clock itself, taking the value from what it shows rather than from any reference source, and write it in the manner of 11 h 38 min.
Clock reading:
2 h 49 min
